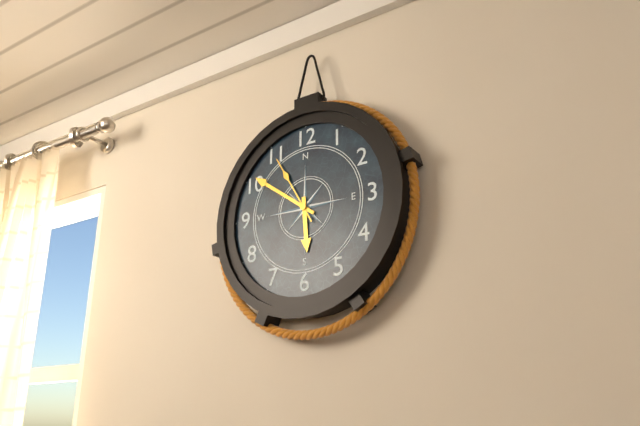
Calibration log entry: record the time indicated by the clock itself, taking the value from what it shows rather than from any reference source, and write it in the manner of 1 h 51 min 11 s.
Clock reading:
5 h 51 min 55 s
